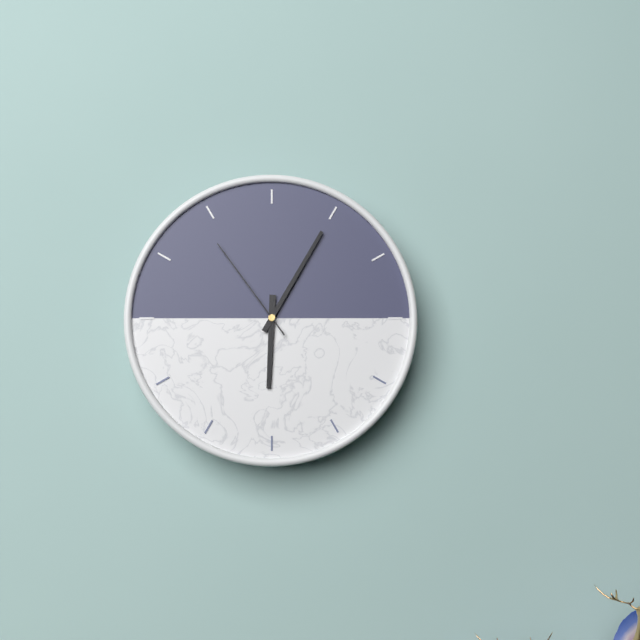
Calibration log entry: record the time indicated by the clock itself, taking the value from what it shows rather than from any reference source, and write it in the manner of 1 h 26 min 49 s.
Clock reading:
6 h 05 min 54 s
